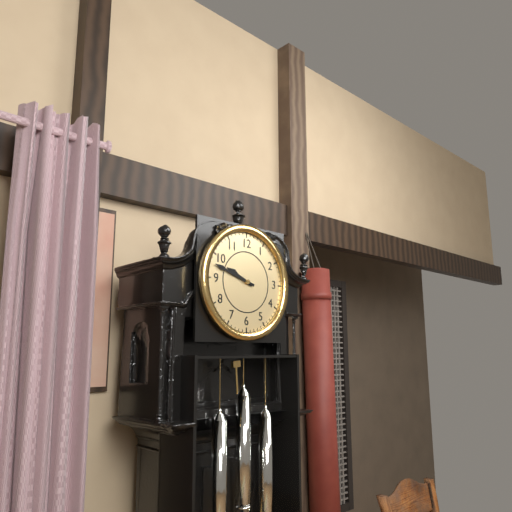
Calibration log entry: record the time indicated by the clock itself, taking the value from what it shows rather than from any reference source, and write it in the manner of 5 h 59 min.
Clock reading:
9 h 48 min
